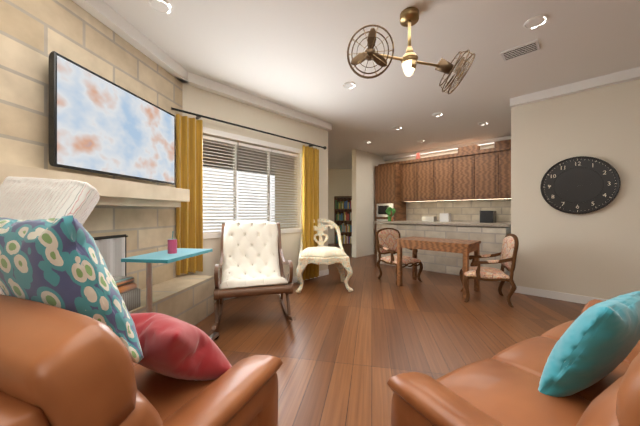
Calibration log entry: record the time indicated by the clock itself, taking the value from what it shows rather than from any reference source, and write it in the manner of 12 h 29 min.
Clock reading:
2 h 40 min
